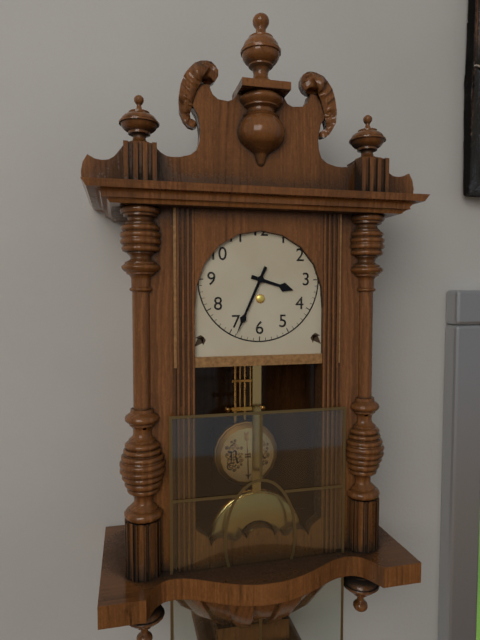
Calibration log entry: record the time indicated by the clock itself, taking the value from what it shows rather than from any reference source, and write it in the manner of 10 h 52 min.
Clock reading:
3 h 34 min
